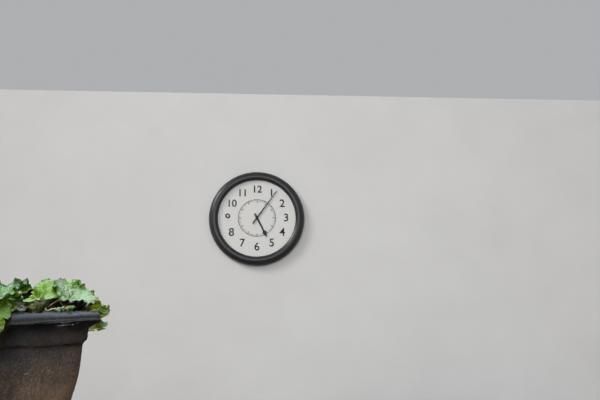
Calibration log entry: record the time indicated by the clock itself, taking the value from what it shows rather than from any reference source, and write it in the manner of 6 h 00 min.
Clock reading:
5 h 06 min
